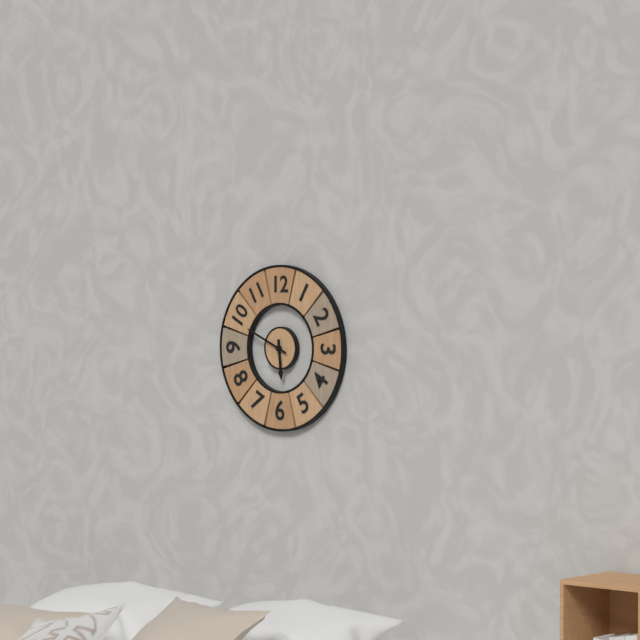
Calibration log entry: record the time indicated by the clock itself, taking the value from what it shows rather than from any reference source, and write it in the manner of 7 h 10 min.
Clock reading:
5 h 49 min
